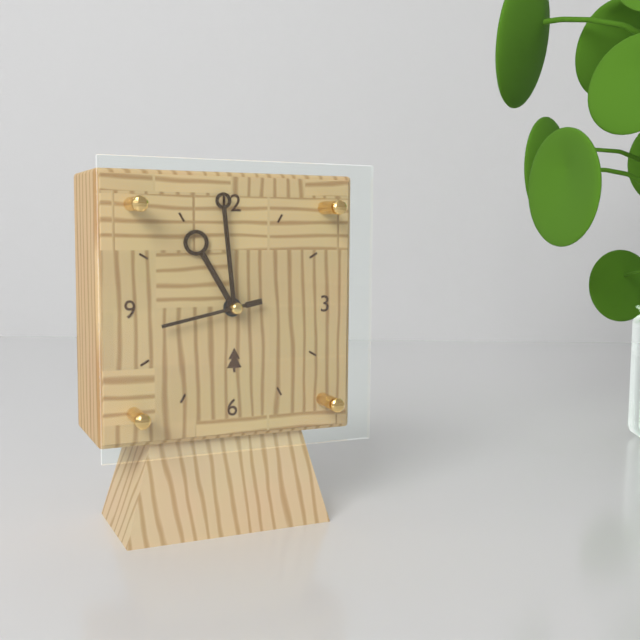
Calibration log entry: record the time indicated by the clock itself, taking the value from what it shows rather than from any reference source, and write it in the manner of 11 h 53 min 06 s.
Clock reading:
10 h 59 min 43 s
